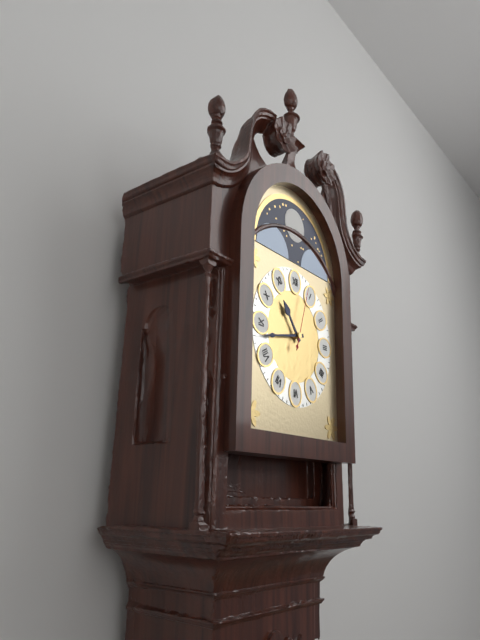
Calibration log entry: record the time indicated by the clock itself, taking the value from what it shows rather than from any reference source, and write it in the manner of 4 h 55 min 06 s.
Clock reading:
10 h 43 min 03 s
